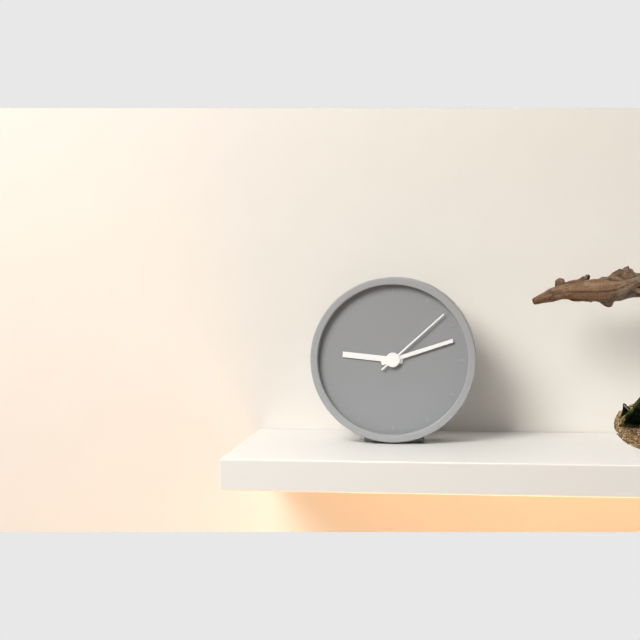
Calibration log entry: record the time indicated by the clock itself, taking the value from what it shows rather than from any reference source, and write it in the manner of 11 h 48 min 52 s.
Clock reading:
9 h 12 min 08 s
